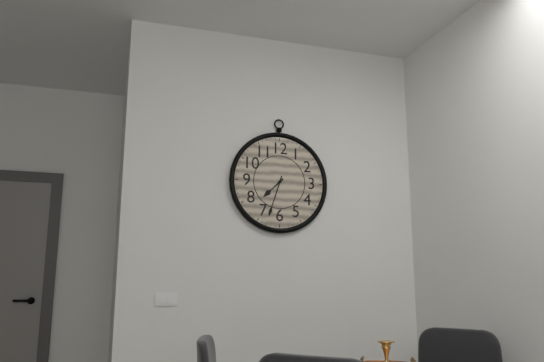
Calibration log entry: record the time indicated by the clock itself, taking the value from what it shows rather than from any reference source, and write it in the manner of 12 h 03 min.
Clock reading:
7 h 33 min
